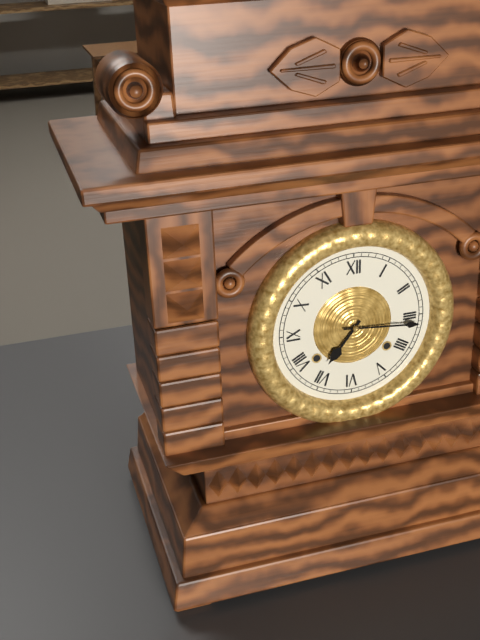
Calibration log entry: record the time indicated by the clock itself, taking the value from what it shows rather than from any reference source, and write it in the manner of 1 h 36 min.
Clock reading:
7 h 16 min
